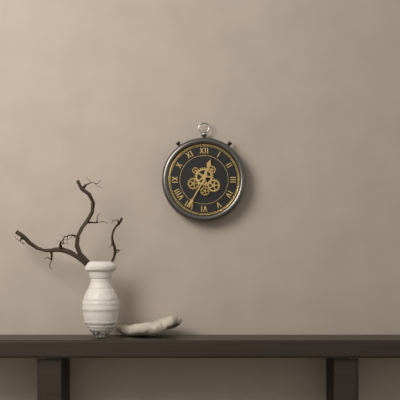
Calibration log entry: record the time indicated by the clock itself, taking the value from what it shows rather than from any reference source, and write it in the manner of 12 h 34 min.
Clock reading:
12 h 35 min
